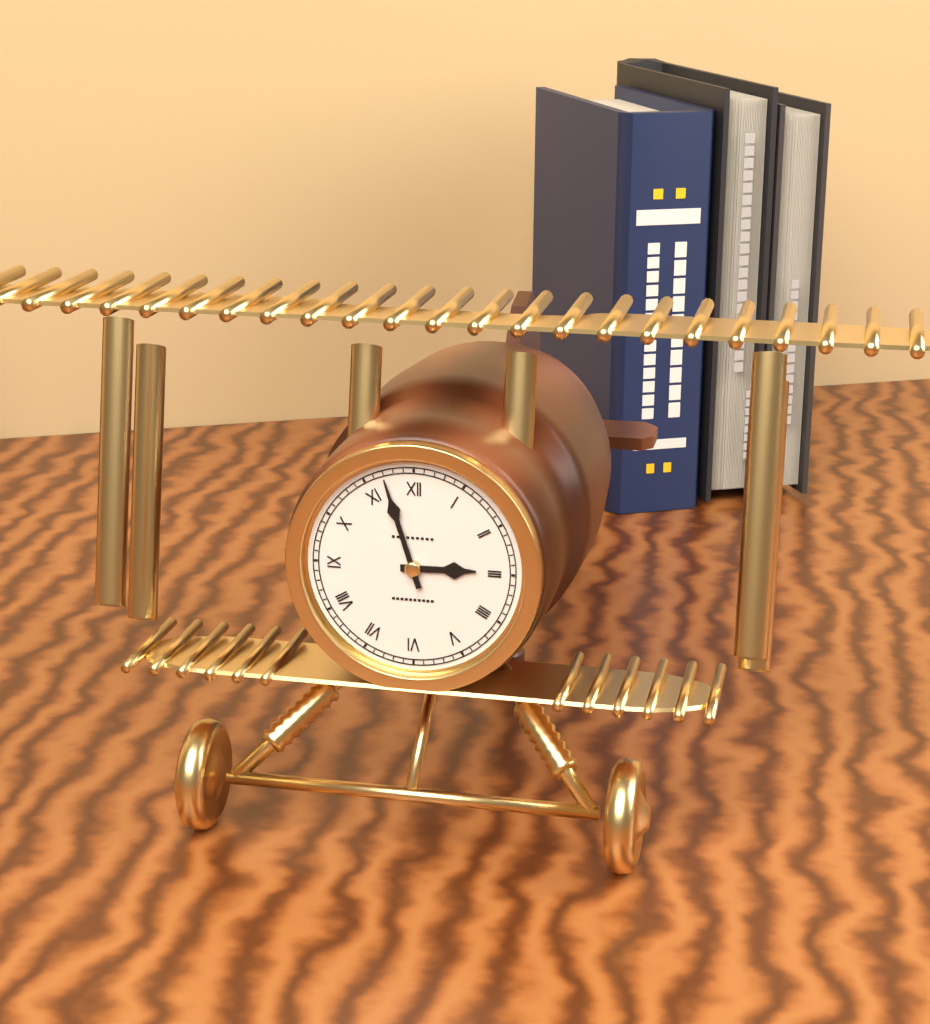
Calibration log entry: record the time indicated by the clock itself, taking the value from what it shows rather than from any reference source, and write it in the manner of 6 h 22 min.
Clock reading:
2 h 57 min
